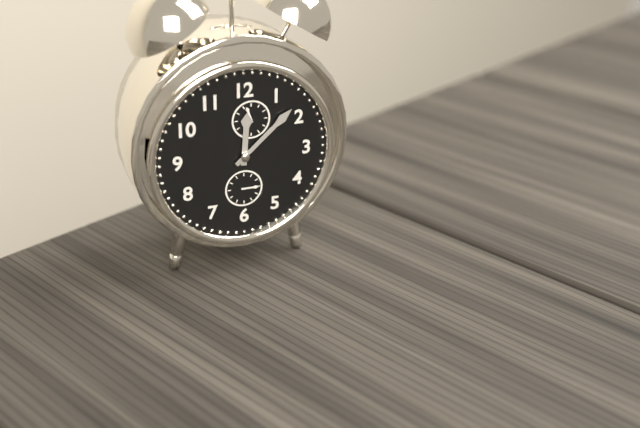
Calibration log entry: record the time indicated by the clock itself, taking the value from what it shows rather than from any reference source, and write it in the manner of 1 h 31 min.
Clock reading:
12 h 08 min
